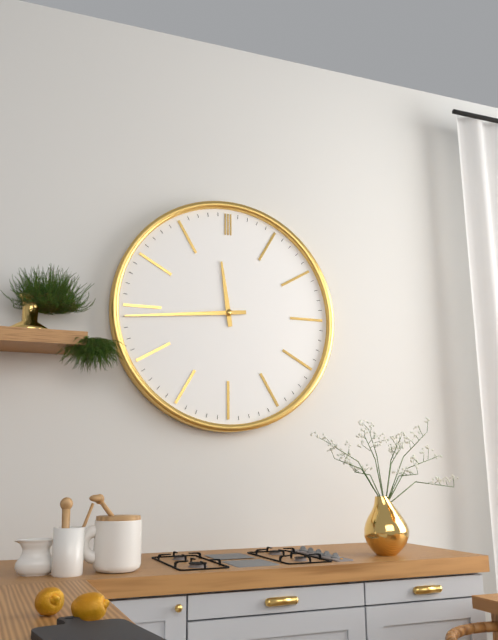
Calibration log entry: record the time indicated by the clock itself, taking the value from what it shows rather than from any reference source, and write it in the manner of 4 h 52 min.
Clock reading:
11 h 44 min
